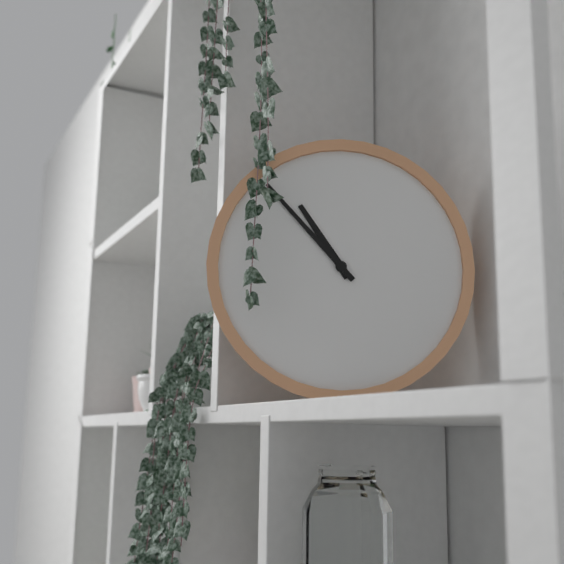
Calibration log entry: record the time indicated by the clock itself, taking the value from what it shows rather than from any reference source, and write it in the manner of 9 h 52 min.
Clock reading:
10 h 53 min
